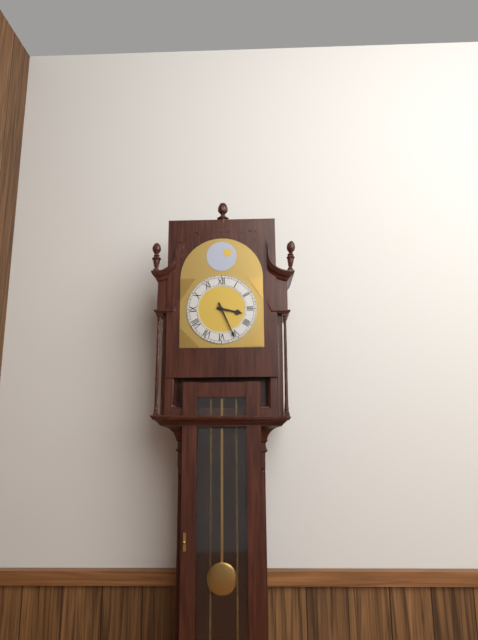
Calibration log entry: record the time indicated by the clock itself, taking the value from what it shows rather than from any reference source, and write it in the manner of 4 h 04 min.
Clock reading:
3 h 26 min
